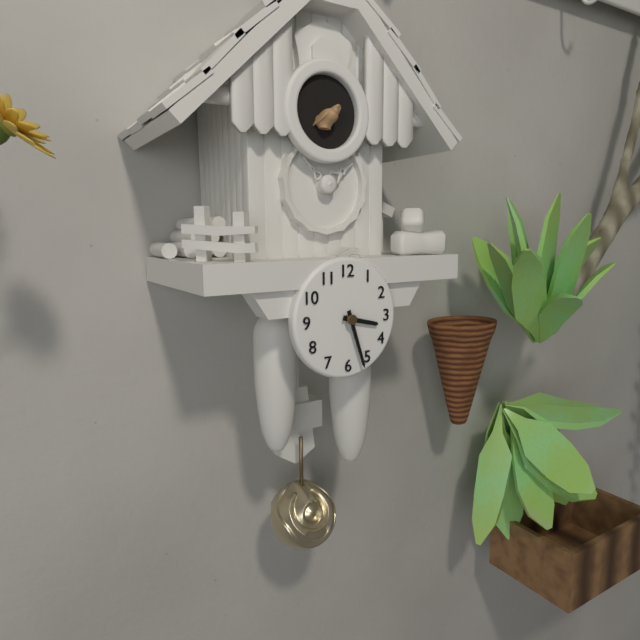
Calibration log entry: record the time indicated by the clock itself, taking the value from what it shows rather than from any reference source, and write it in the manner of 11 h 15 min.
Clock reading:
3 h 27 min
